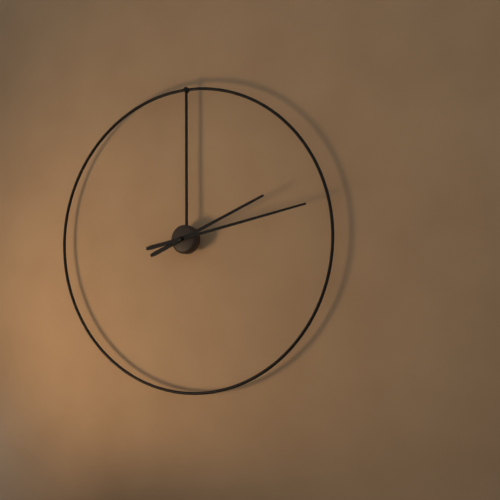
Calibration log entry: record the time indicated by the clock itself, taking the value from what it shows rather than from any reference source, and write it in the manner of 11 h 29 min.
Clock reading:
2 h 13 min
